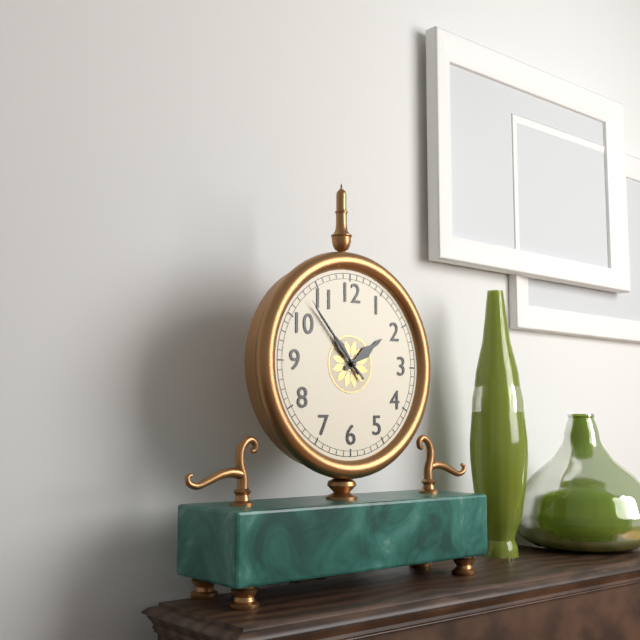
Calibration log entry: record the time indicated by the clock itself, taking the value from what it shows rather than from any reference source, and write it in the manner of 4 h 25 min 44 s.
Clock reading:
1 h 53 min 53 s
